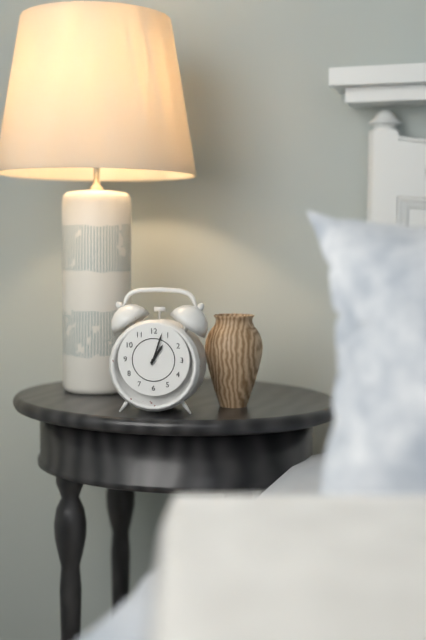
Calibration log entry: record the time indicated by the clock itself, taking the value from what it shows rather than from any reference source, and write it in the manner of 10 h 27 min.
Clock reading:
1 h 03 min
